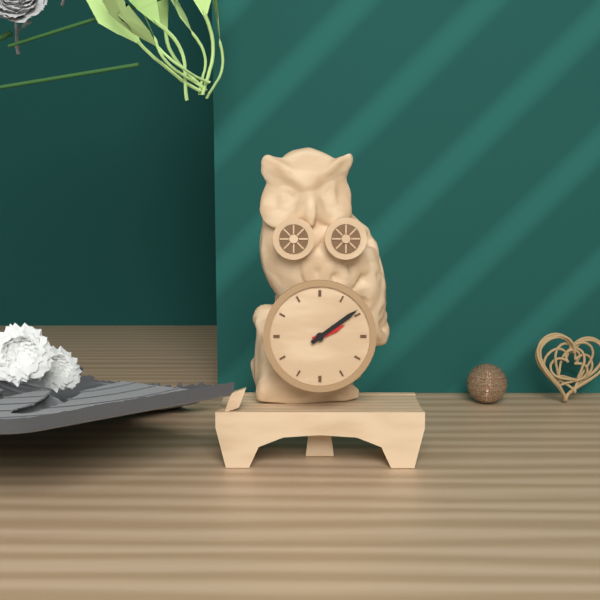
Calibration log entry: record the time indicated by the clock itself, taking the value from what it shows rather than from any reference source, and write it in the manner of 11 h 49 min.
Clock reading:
2 h 09 min
